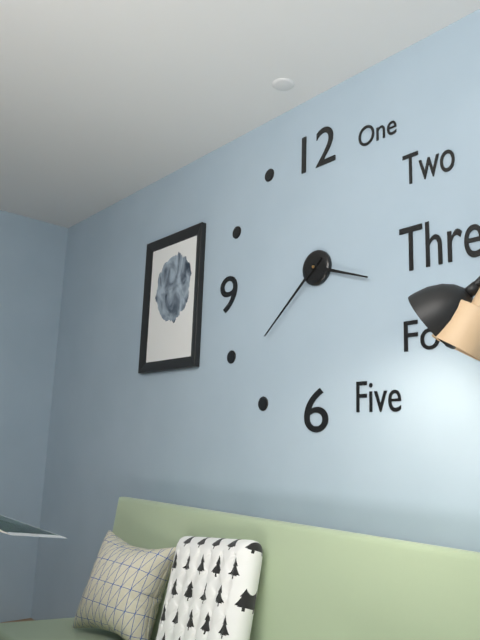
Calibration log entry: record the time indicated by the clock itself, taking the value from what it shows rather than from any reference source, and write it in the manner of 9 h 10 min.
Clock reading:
3 h 38 min
